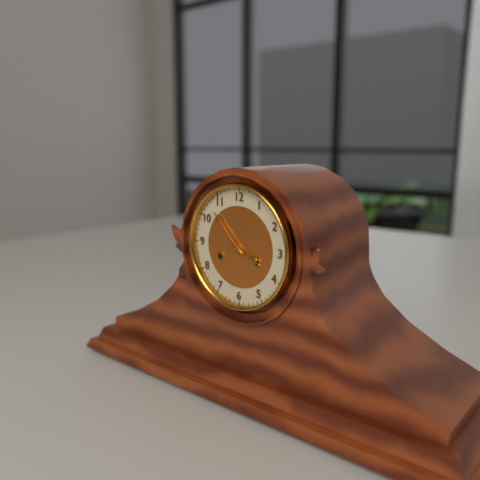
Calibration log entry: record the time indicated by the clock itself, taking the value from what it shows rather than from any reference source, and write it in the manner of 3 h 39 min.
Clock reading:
3 h 53 min
